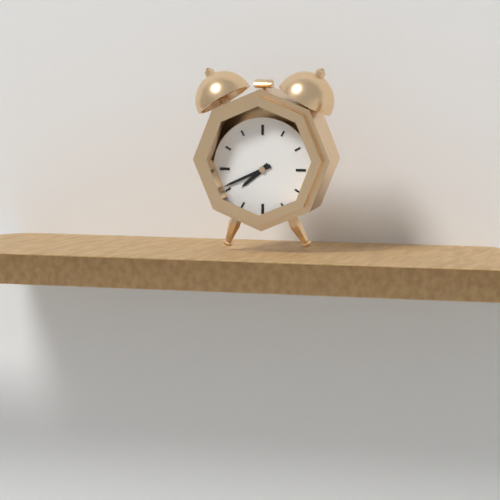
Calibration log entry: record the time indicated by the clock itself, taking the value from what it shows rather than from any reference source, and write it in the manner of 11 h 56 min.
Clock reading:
7 h 41 min
